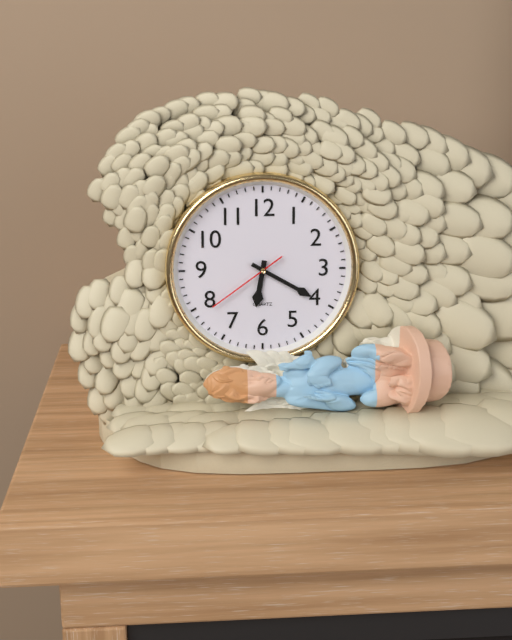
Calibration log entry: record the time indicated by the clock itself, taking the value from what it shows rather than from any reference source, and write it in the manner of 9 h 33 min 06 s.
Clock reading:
6 h 20 min 39 s
